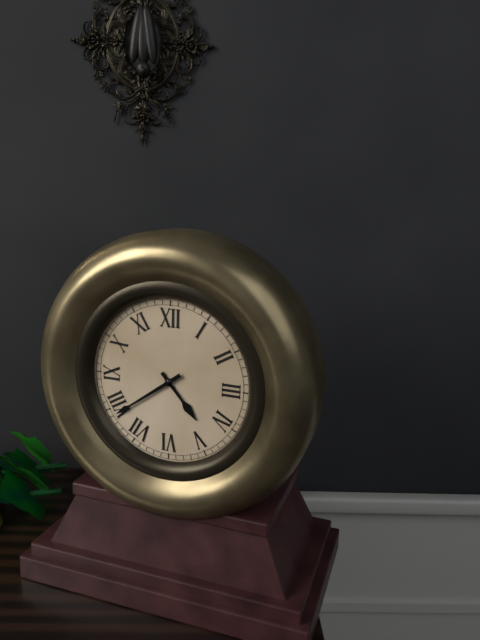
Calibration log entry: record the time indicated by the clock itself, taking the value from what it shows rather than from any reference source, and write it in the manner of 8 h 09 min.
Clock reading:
4 h 39 min
